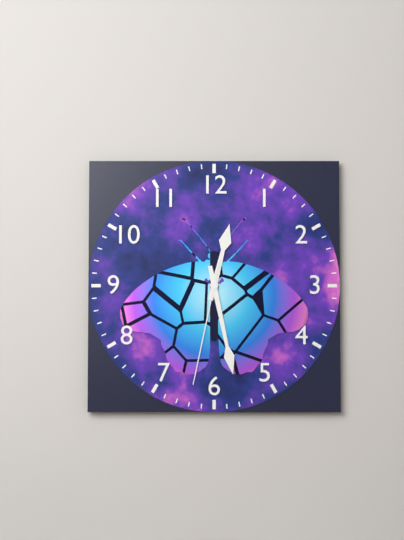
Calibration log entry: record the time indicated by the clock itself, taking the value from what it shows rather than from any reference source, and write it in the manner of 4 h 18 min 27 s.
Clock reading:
12 h 28 min 32 s
